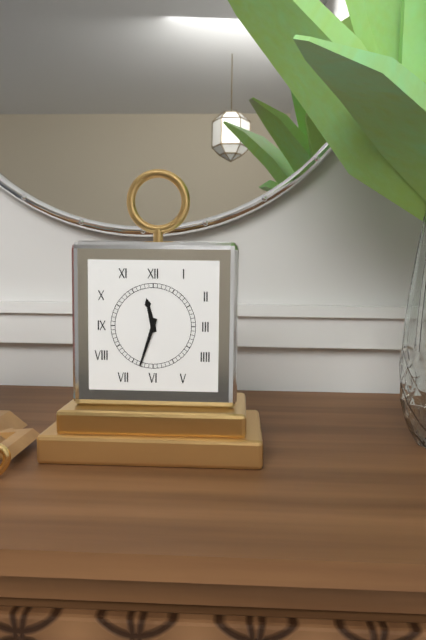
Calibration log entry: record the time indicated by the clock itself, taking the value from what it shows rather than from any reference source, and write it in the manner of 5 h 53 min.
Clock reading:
11 h 33 min
